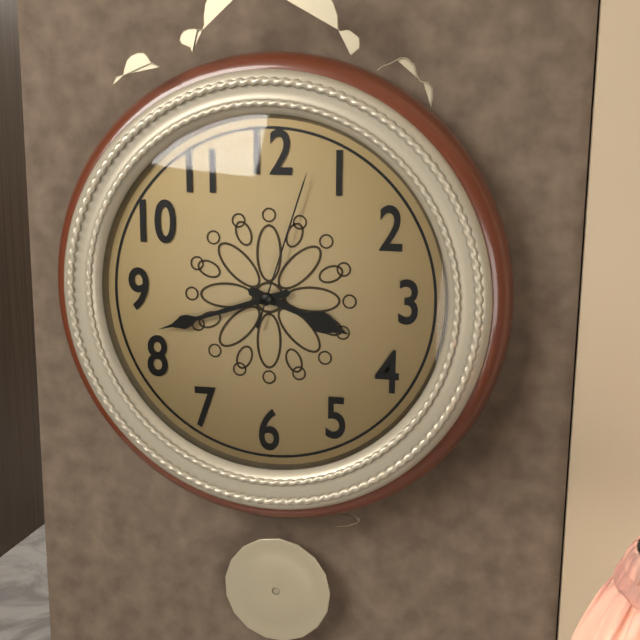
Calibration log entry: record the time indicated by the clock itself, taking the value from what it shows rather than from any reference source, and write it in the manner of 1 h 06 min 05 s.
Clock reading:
3 h 42 min 03 s
